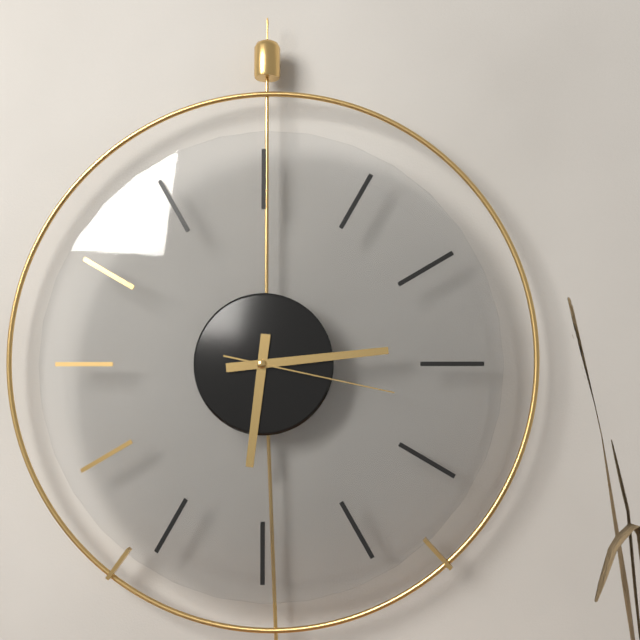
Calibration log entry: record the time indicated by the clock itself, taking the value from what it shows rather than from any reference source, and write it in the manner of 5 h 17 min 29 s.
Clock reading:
6 h 14 min 17 s
